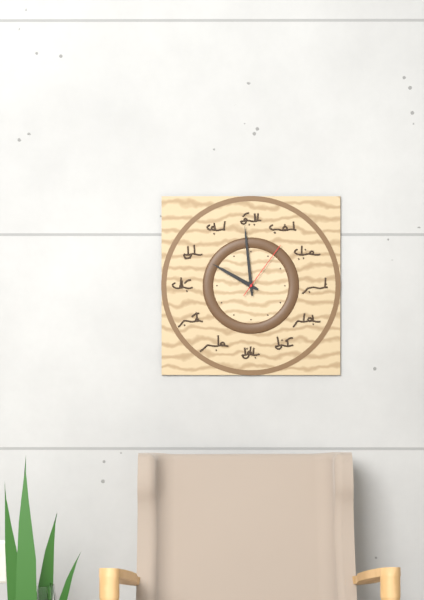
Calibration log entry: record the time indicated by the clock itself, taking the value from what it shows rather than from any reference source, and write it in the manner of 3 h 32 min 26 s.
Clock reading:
9 h 59 min 06 s
